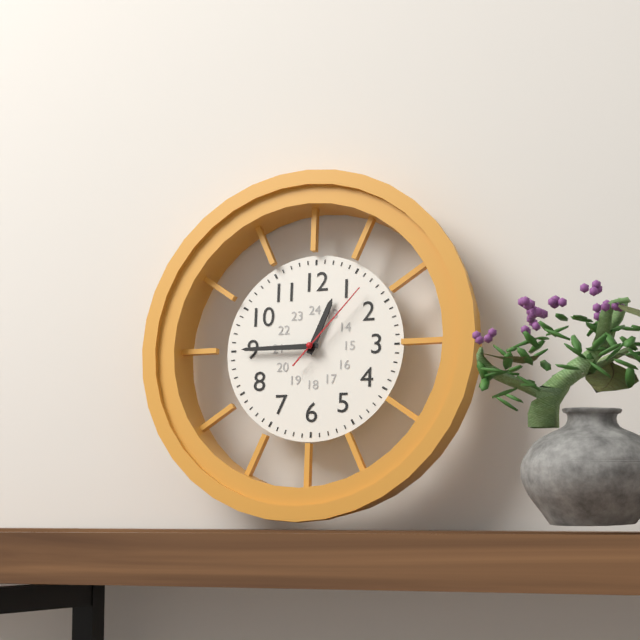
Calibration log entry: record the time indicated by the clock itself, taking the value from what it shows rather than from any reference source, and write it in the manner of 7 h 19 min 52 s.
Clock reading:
12 h 45 min 07 s
